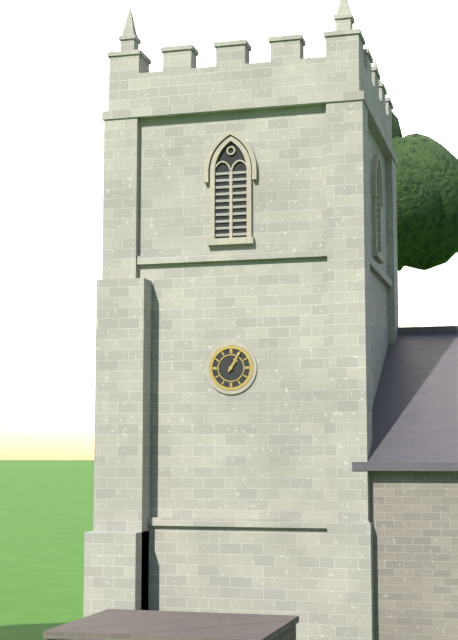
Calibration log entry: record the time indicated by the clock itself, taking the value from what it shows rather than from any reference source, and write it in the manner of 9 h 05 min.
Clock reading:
1 h 05 min
